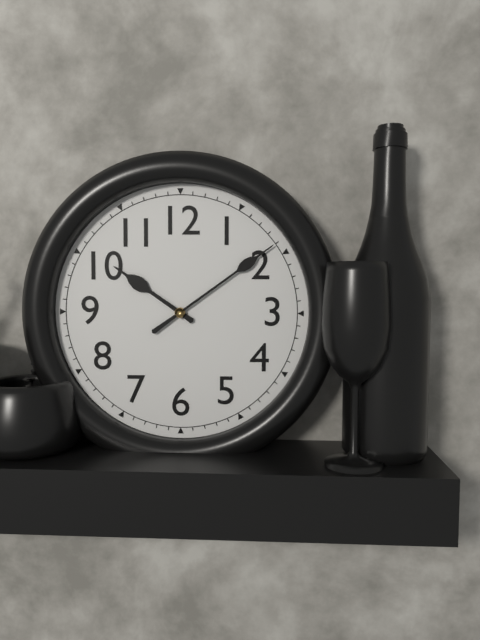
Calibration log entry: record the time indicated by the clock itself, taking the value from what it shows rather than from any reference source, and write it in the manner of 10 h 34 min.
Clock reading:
10 h 09 min
